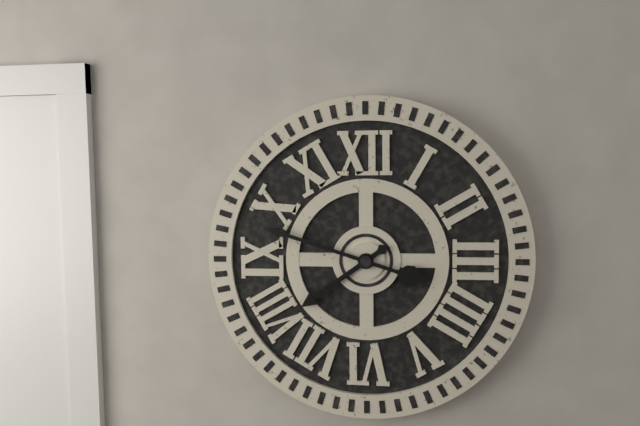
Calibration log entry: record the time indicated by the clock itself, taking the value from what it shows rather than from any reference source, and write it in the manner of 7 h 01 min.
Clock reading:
7 h 48 min
